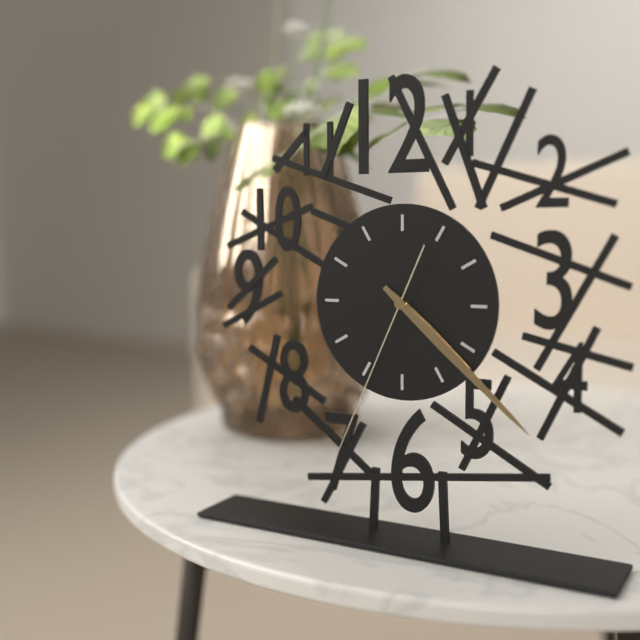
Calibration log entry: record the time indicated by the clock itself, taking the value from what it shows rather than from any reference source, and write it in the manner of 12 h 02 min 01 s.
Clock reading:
4 h 22 min 34 s
